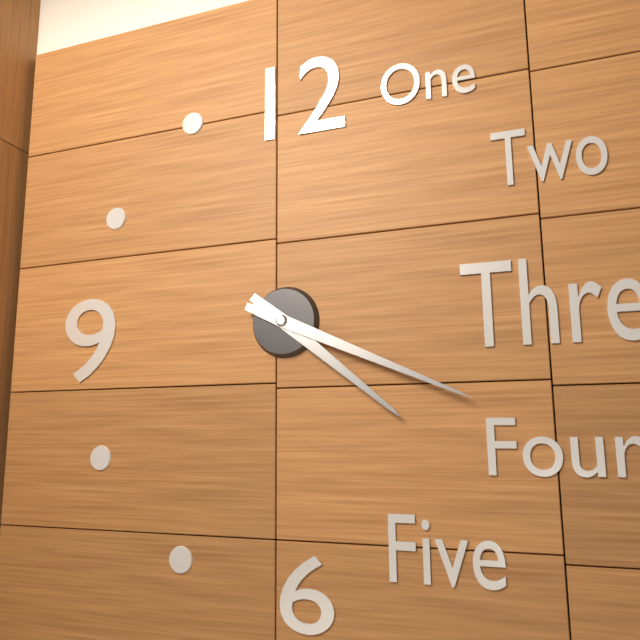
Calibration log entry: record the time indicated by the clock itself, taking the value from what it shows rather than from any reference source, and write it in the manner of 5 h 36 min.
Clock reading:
4 h 19 min
